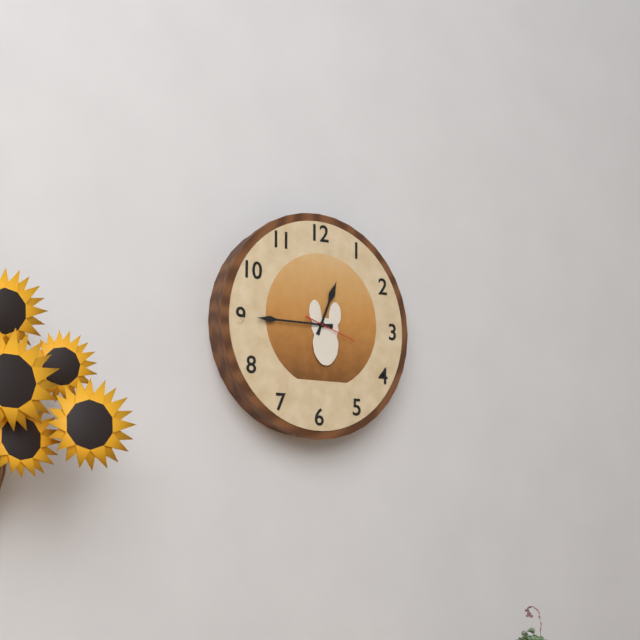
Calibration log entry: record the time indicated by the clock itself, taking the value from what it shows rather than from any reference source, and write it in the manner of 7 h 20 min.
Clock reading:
12 h 45 min
